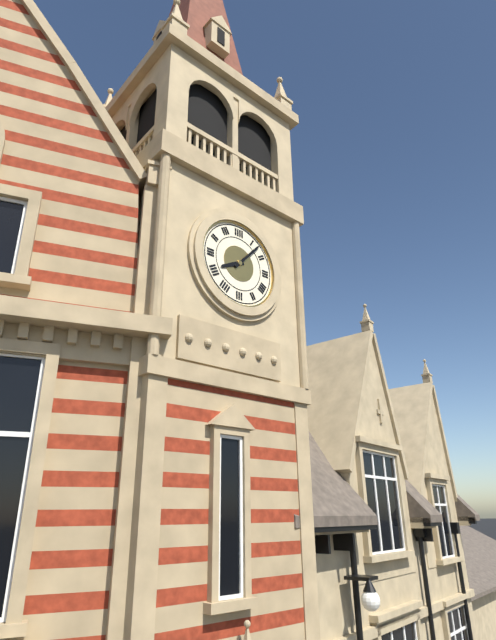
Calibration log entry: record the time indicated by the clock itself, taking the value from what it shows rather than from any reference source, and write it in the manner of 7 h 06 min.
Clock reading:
8 h 07 min
